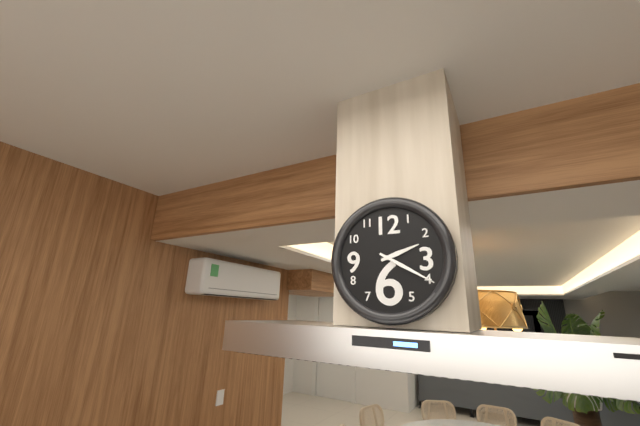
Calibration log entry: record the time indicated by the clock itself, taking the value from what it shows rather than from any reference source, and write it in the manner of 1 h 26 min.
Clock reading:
2 h 20 min
